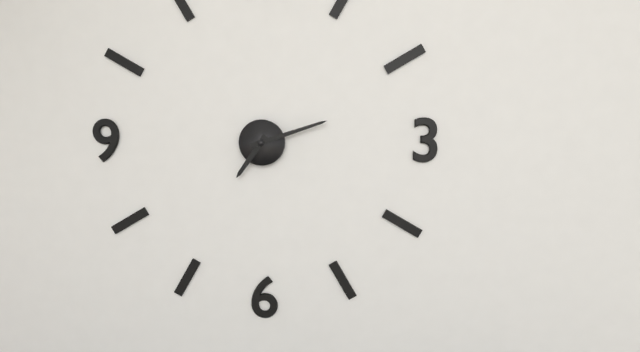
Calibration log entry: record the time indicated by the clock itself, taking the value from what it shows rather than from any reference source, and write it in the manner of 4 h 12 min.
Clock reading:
7 h 12 min
